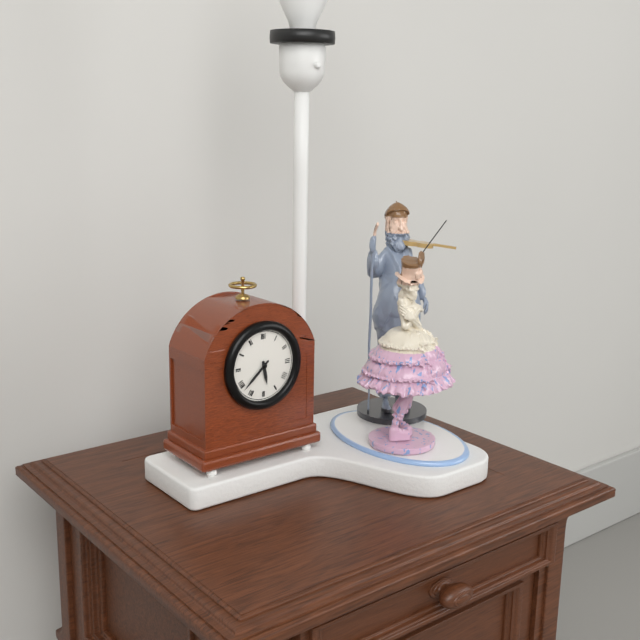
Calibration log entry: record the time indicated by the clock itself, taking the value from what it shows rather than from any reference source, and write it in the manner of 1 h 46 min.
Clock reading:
5 h 38 min
